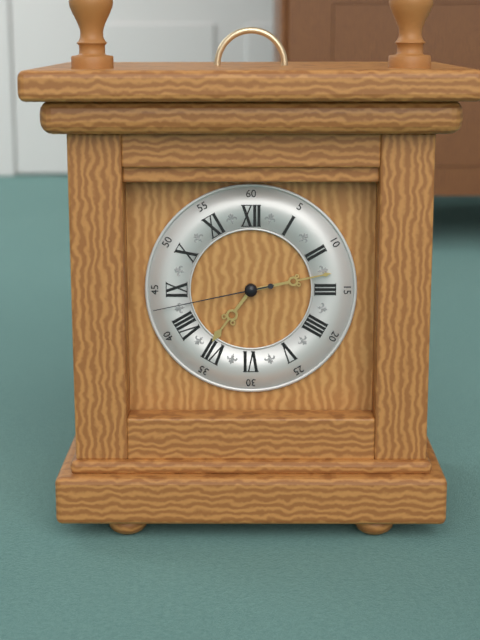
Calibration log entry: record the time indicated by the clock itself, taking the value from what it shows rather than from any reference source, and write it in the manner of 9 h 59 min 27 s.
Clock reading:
7 h 13 min 43 s
